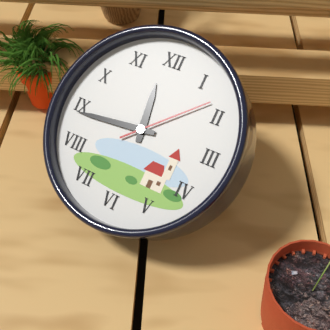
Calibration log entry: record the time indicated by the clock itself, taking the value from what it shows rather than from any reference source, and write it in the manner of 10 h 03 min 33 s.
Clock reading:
11 h 44 min 08 s
